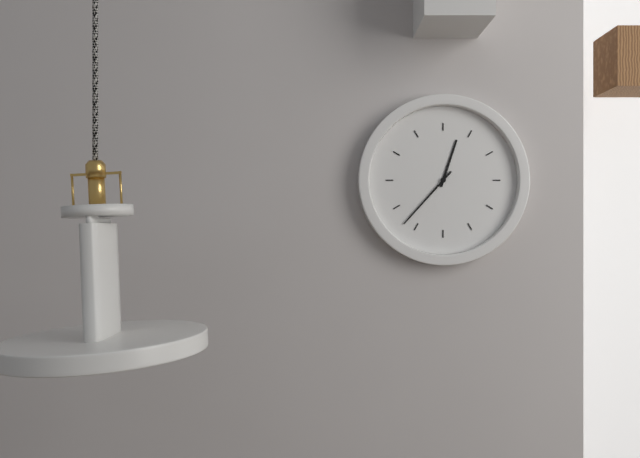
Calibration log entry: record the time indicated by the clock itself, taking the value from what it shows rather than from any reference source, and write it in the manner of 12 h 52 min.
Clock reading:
12 h 37 min
